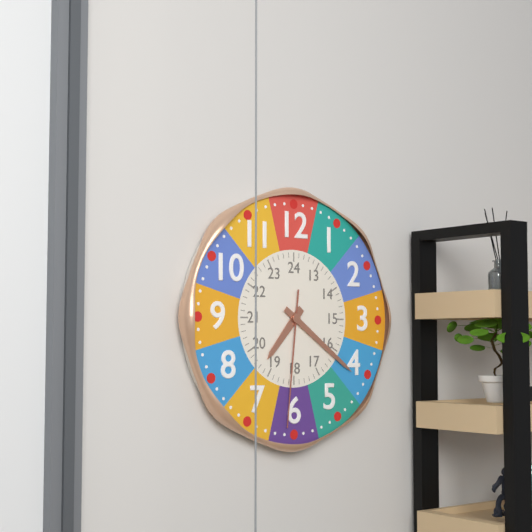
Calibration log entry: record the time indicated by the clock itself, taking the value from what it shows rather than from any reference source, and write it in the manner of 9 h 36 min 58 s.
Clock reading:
7 h 21 min 31 s
